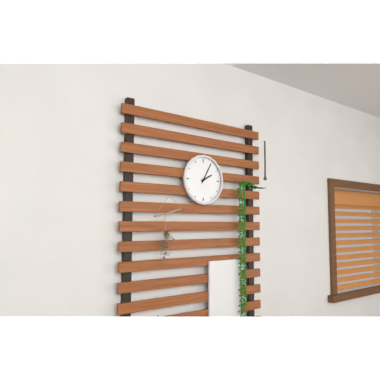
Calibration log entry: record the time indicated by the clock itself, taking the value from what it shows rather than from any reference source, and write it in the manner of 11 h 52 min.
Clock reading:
2 h 05 min
